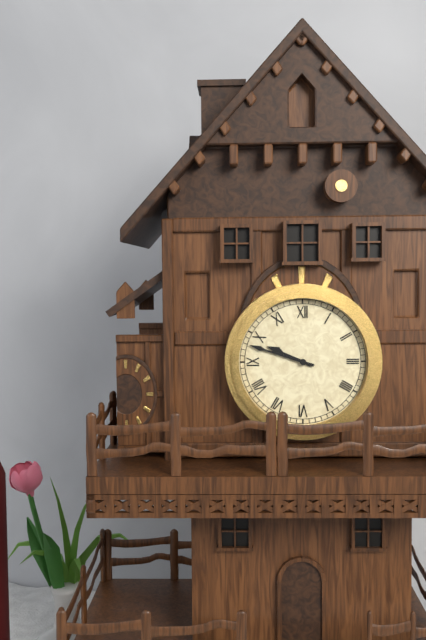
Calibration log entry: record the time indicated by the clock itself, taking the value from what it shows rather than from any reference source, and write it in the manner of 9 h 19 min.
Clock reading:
9 h 48 min
